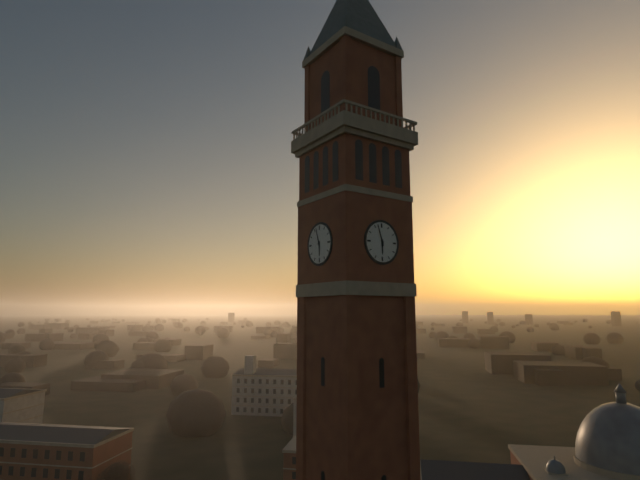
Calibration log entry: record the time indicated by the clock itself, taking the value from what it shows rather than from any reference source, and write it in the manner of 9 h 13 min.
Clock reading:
5 h 57 min
